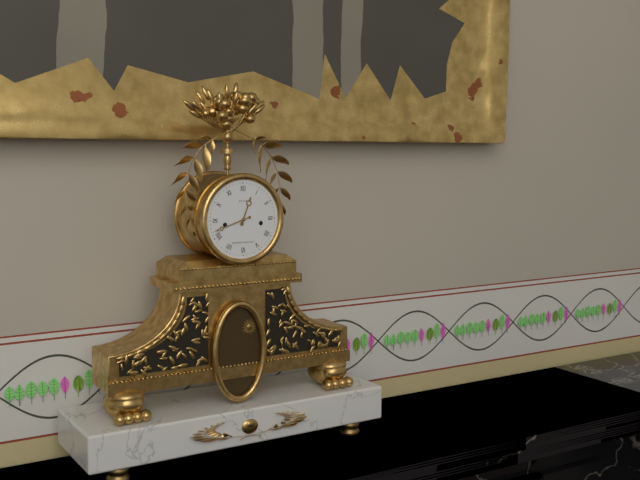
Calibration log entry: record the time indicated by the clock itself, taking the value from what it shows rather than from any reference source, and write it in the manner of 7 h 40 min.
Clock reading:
12 h 42 min
